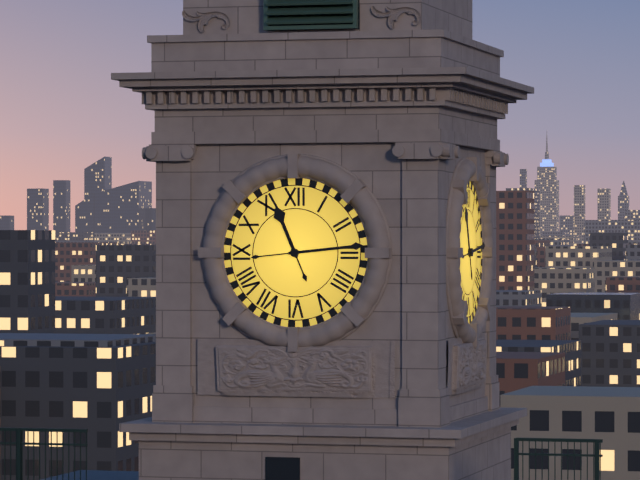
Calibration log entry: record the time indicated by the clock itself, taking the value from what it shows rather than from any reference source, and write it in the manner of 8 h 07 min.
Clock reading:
11 h 14 min
